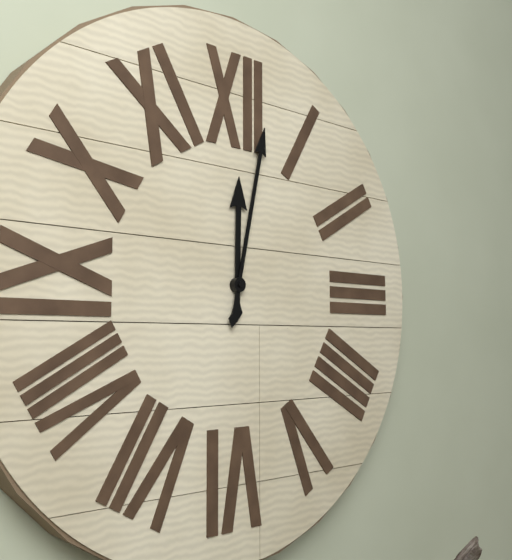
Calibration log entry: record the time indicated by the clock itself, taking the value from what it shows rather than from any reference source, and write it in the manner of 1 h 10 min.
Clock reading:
12 h 02 min
